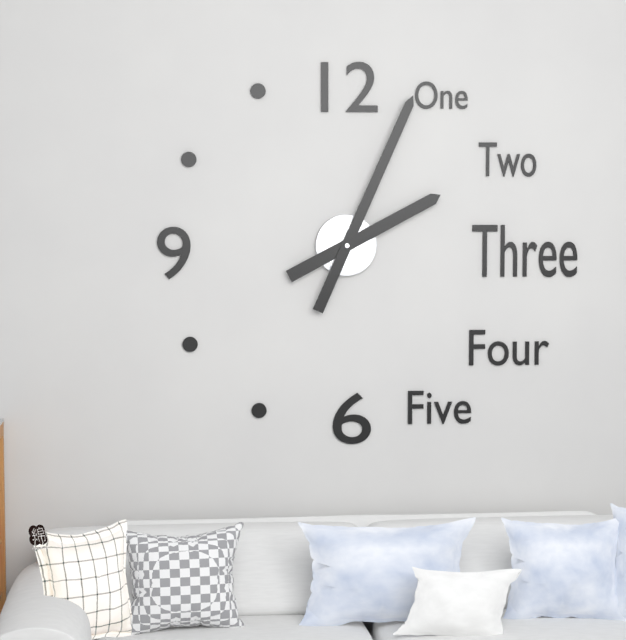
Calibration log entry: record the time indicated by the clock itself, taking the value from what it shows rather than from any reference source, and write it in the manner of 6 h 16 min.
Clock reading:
2 h 04 min
